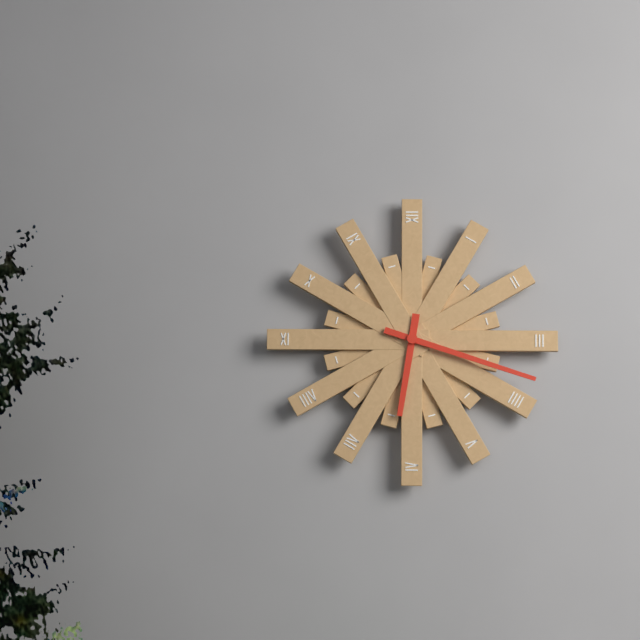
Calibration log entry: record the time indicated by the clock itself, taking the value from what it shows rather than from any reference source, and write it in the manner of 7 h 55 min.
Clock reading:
6 h 18 min
